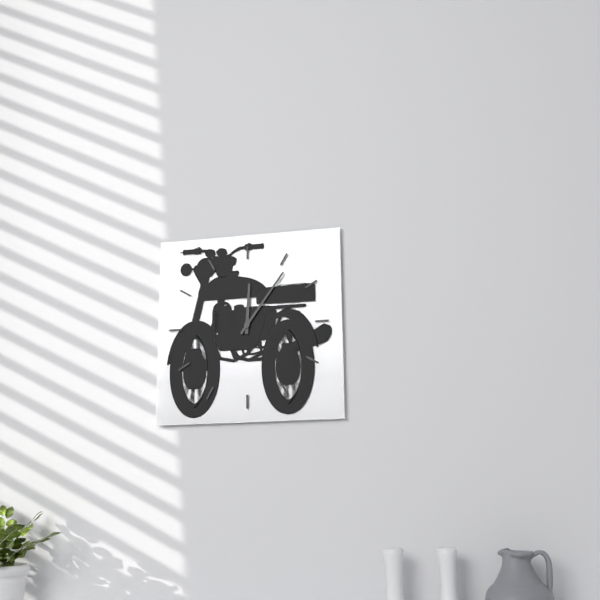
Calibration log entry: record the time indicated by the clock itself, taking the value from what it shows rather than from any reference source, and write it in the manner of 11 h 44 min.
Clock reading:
12 h 06 min
